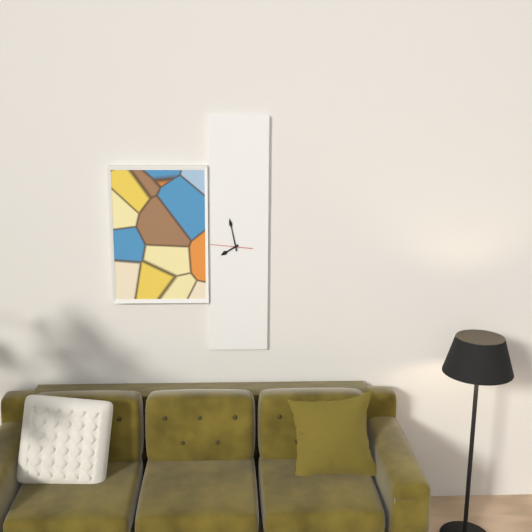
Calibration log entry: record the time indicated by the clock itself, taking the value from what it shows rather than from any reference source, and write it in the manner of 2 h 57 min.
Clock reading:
7 h 58 min
